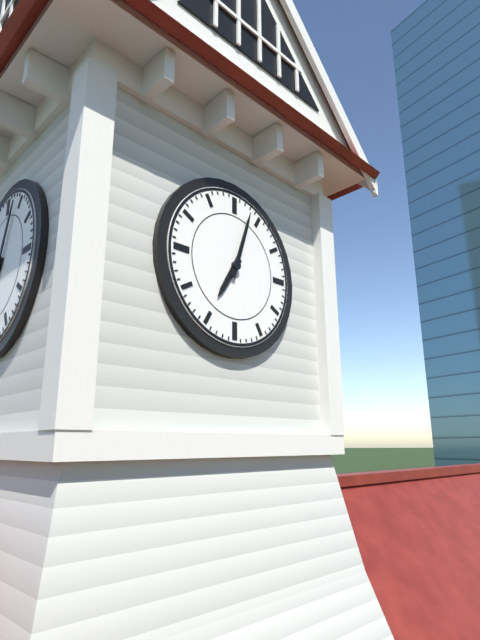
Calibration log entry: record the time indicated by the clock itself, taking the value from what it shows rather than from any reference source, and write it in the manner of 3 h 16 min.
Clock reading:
7 h 03 min
